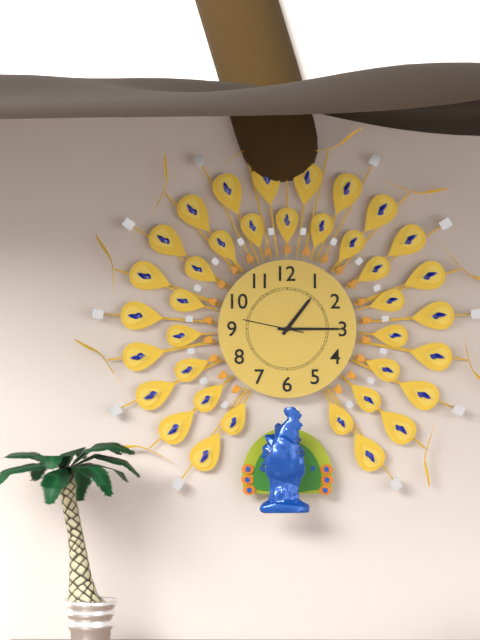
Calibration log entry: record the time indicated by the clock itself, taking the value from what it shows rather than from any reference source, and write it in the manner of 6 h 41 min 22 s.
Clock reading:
1 h 15 min 47 s
